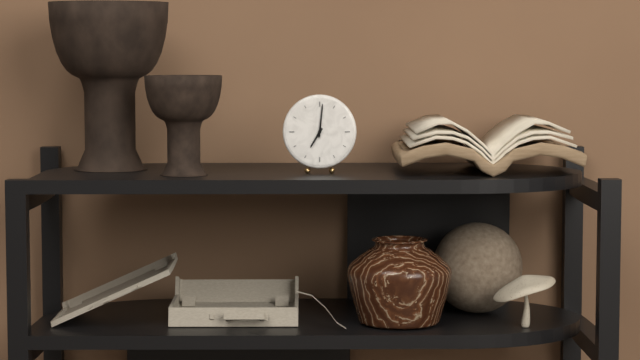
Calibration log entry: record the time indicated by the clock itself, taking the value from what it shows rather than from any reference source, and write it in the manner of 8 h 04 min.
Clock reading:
7 h 01 min
